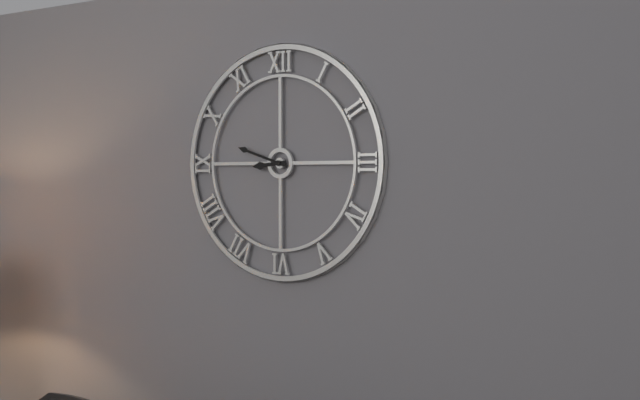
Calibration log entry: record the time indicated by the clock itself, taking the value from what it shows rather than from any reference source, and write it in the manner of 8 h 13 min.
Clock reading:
8 h 48 min
